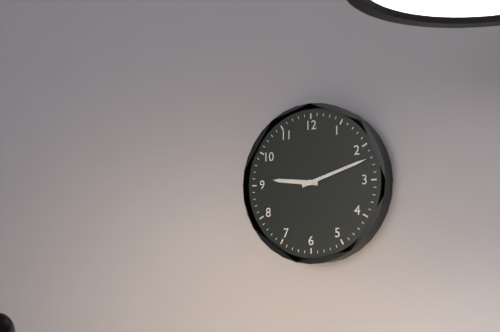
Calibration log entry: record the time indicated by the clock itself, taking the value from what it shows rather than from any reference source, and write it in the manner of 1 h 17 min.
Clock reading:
9 h 12 min
